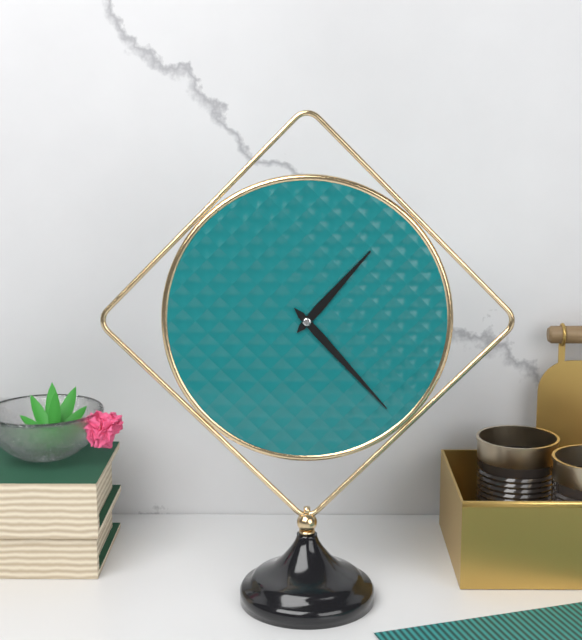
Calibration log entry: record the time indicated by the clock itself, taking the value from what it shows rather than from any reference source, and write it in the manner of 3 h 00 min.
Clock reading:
1 h 23 min
